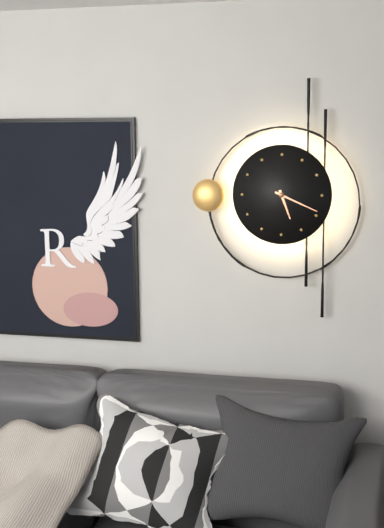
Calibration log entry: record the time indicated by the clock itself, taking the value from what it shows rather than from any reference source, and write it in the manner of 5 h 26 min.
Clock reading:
5 h 19 min
